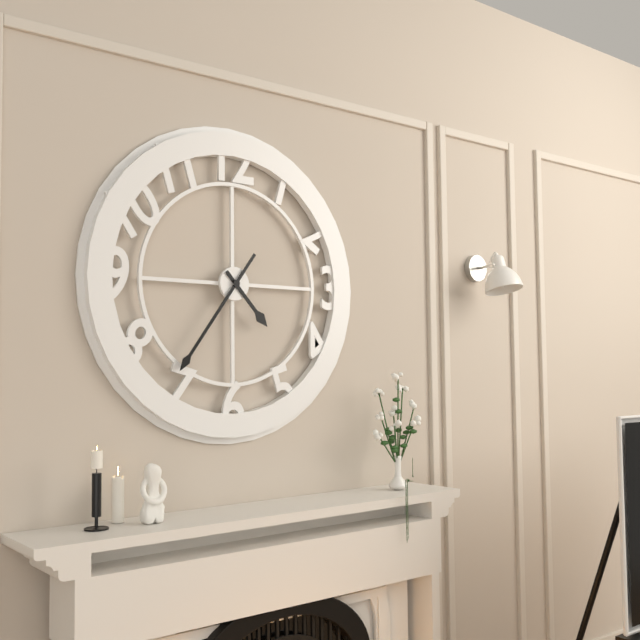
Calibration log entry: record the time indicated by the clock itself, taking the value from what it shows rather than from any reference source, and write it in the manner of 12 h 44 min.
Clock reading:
4 h 36 min
